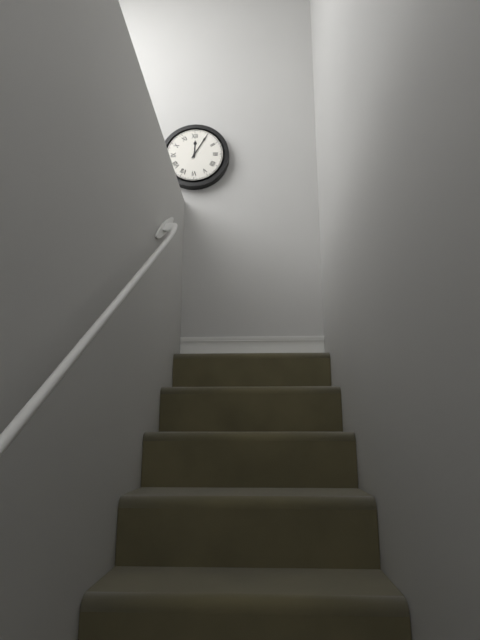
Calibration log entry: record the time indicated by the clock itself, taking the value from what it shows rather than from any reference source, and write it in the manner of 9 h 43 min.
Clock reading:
12 h 05 min
